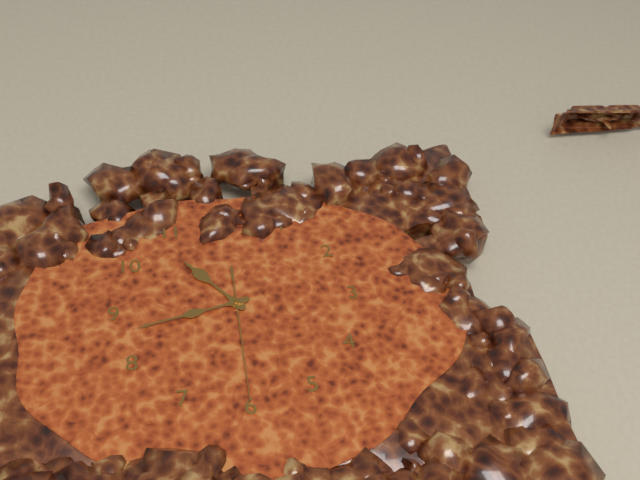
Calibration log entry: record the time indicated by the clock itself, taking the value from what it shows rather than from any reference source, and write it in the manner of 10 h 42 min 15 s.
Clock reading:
10 h 43 min 30 s
